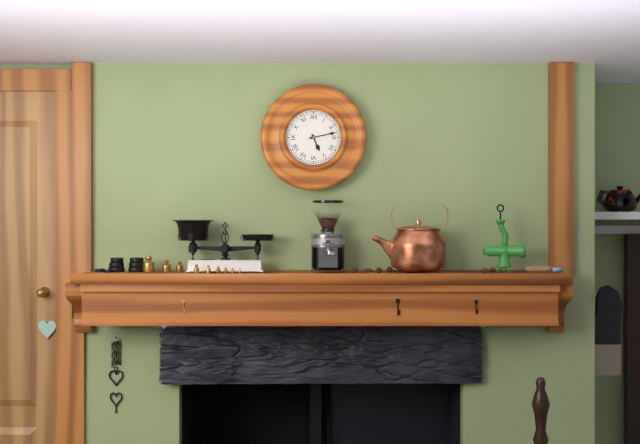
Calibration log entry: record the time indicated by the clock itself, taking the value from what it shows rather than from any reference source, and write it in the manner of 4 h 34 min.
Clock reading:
5 h 13 min
